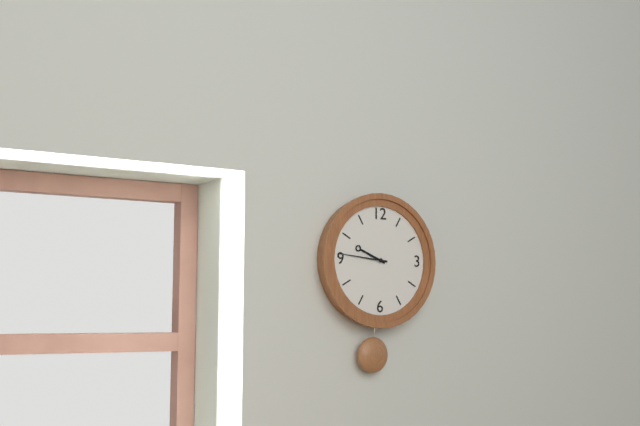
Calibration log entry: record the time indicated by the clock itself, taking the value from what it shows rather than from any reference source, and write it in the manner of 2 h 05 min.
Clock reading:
9 h 46 min
